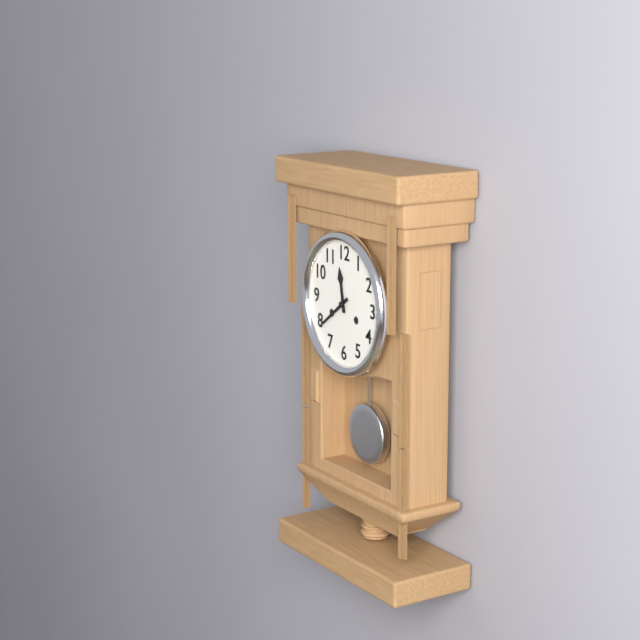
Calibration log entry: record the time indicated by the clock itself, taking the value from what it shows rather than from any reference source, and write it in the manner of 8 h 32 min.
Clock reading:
11 h 39 min
